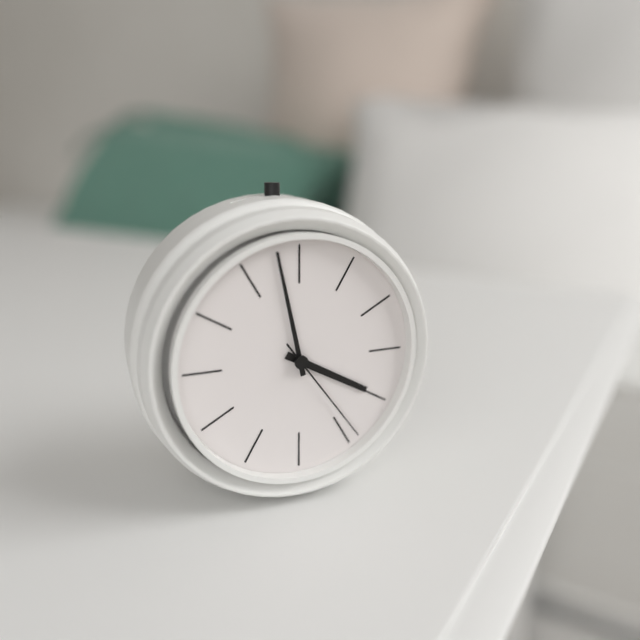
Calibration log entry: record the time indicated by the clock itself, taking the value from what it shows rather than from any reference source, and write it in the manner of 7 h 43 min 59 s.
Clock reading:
3 h 58 min 24 s
